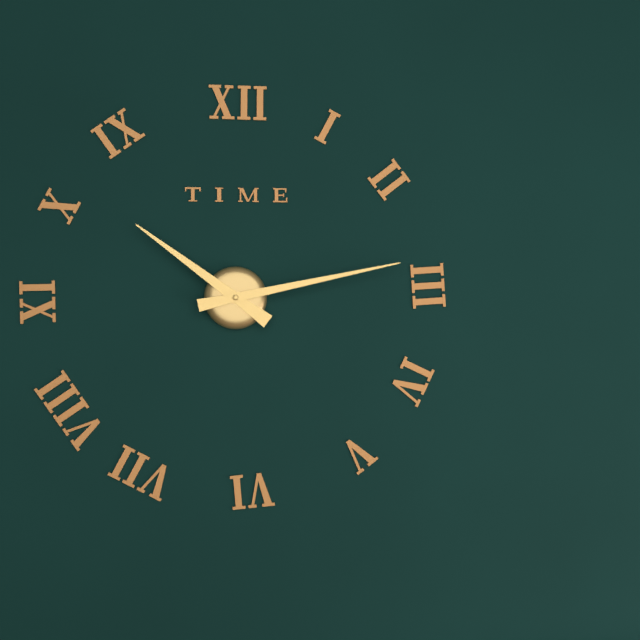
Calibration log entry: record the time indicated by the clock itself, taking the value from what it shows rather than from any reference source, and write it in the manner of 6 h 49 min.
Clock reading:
10 h 13 min
